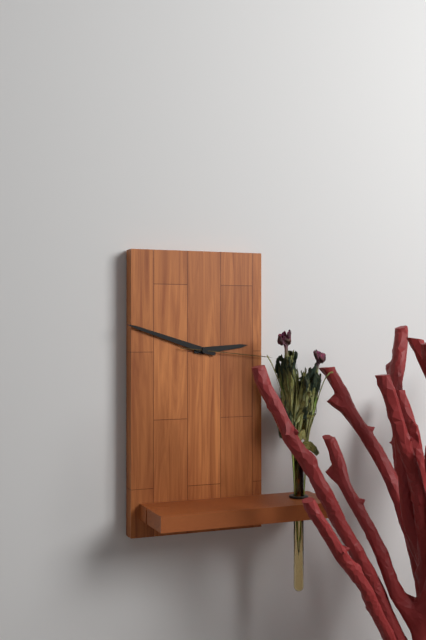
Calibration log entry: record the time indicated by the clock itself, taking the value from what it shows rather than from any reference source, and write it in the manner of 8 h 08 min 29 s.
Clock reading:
2 h 48 min 16 s
